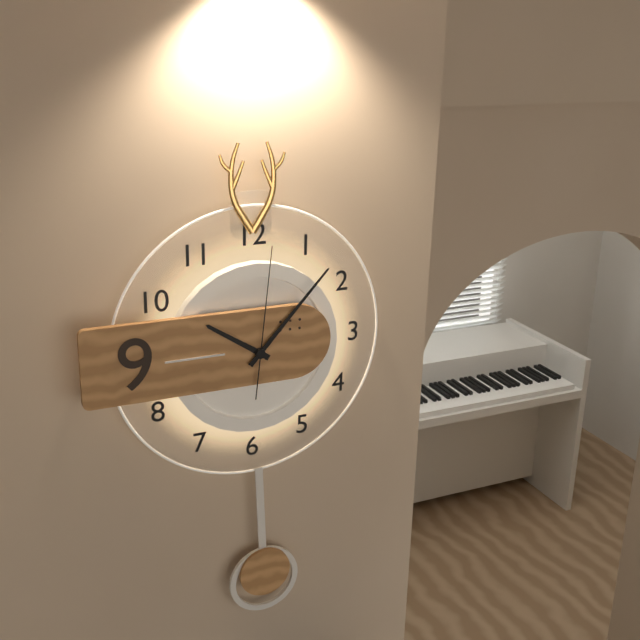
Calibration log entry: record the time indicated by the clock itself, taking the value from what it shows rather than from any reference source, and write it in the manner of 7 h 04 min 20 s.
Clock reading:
10 h 07 min 01 s
